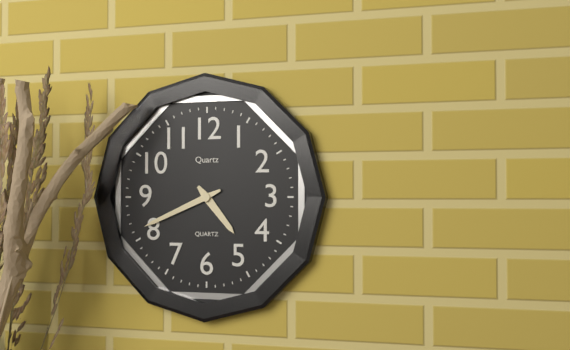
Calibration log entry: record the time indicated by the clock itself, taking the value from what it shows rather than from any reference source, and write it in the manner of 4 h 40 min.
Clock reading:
4 h 41 min
